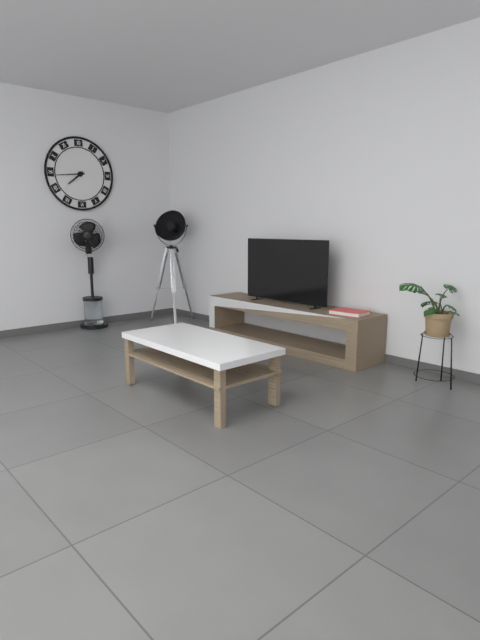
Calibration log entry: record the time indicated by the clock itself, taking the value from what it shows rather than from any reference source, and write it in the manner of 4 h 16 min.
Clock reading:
7 h 44 min
